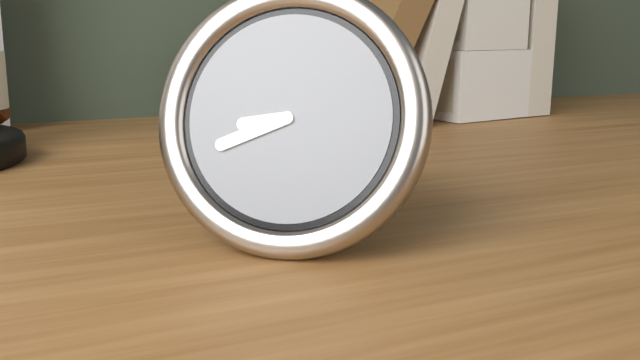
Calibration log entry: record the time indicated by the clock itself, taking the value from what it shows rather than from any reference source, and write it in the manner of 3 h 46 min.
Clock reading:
8 h 41 min
